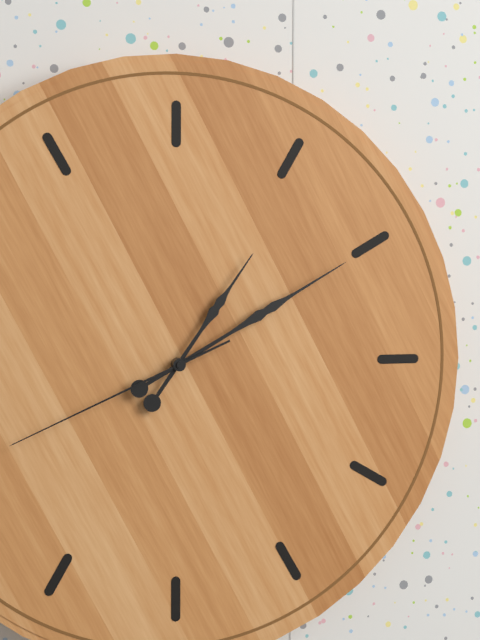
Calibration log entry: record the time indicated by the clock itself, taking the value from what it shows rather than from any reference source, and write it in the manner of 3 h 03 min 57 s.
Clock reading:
1 h 10 min 41 s
